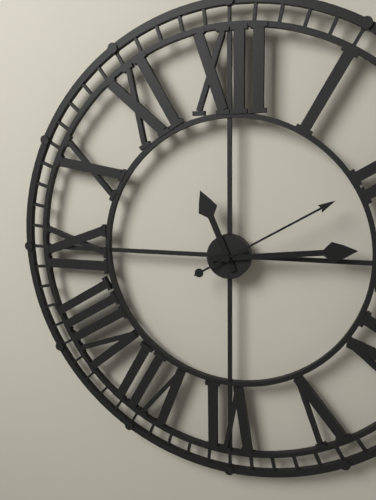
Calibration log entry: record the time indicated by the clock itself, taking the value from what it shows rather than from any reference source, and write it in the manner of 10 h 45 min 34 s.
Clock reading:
11 h 14 min 10 s
